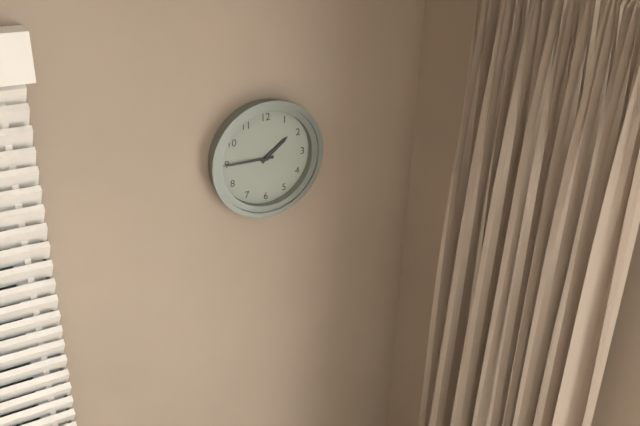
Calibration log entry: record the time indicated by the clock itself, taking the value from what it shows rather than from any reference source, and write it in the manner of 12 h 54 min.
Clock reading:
1 h 45 min
